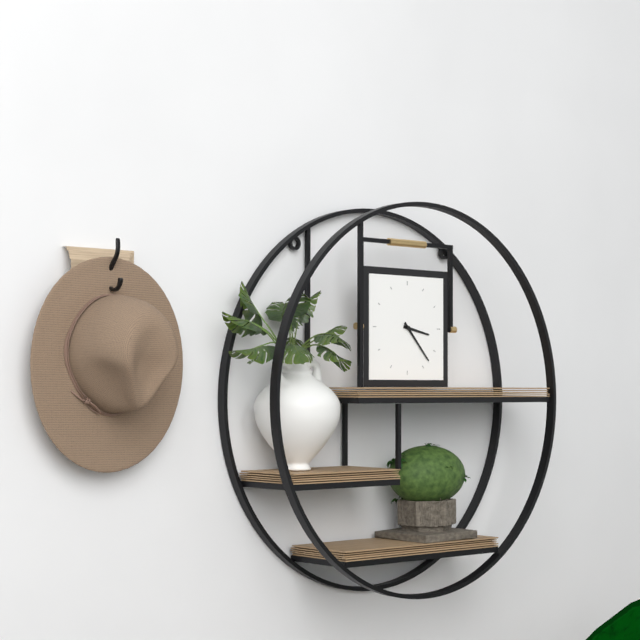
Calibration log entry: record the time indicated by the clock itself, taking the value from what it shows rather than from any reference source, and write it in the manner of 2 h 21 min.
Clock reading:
3 h 23 min
